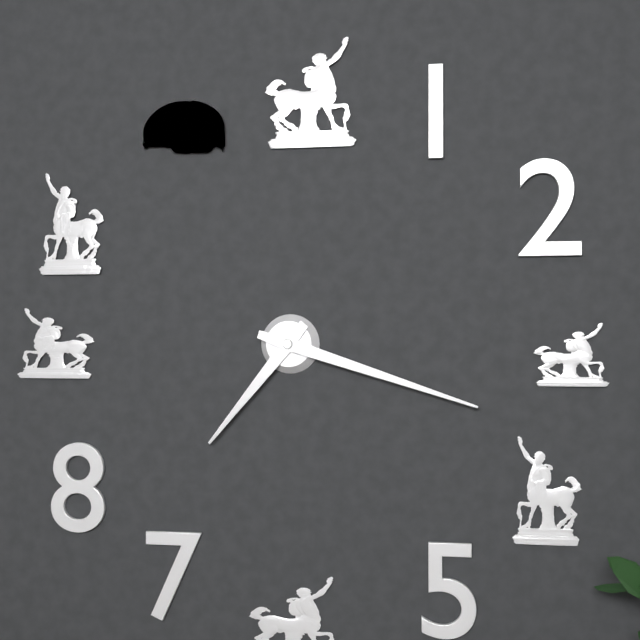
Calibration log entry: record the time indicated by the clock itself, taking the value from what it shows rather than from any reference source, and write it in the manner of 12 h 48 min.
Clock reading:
7 h 18 min
